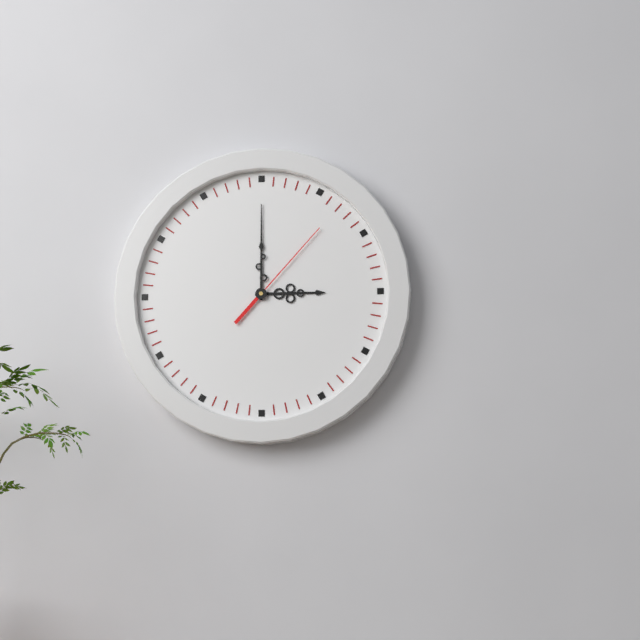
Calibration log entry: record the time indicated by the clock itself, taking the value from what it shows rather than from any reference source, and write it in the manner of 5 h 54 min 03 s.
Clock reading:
3 h 00 min 07 s
